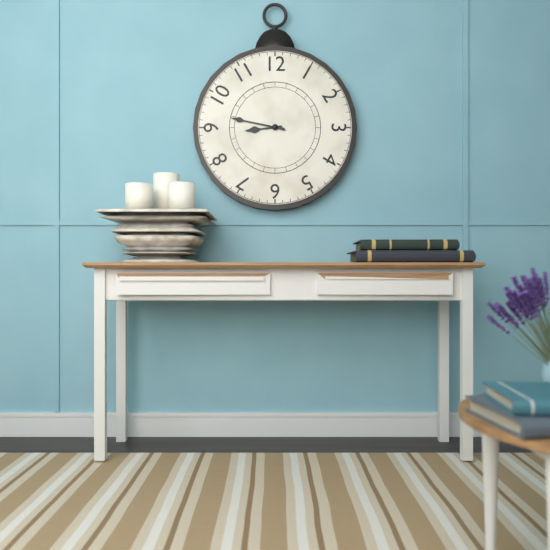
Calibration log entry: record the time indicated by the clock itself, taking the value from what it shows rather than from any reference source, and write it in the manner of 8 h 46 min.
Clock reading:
8 h 47 min
